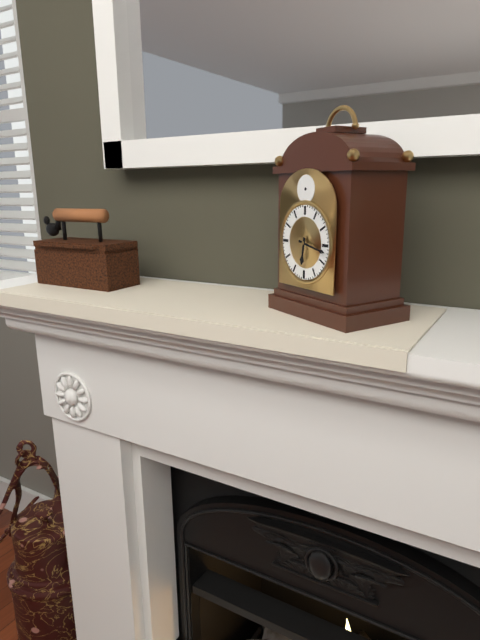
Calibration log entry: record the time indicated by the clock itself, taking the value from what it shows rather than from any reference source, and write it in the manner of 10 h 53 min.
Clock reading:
6 h 17 min
